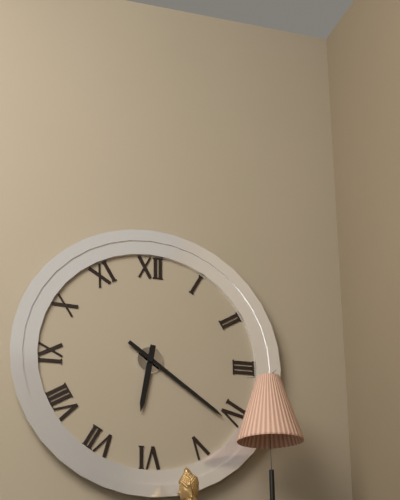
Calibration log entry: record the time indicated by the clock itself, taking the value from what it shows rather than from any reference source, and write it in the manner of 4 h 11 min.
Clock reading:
6 h 21 min
